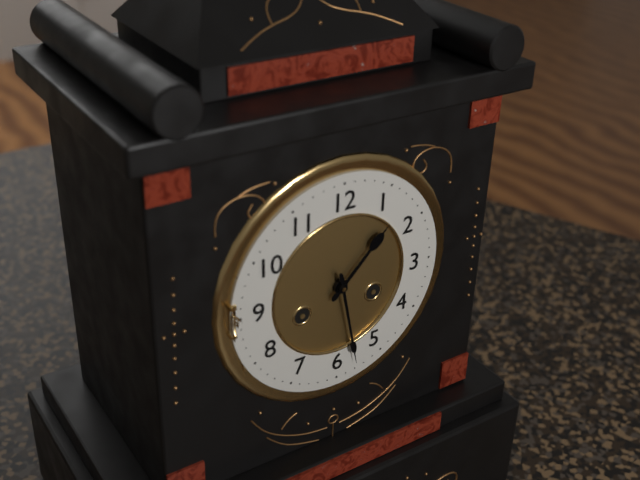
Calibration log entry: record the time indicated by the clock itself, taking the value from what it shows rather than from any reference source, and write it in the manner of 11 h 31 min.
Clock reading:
1 h 28 min
